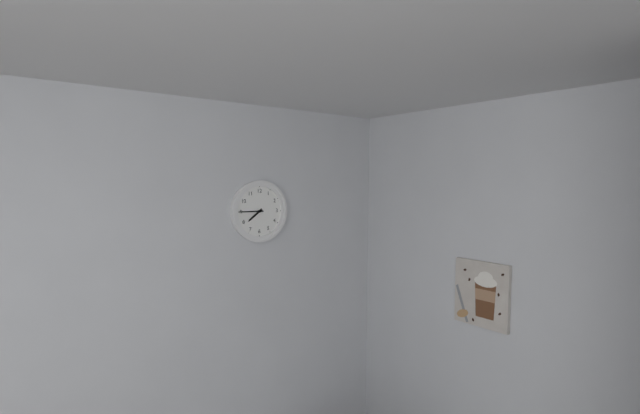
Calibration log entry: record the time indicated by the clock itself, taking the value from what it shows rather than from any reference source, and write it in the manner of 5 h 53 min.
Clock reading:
7 h 45 min
